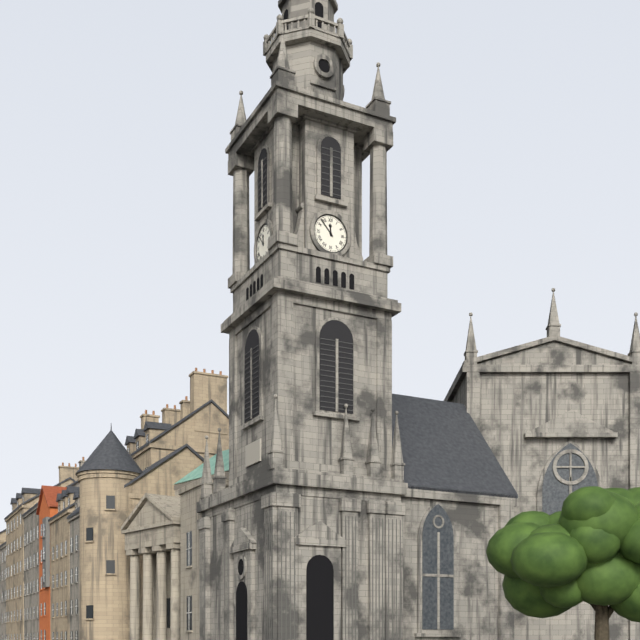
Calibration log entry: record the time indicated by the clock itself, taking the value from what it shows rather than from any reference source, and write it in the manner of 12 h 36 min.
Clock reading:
11 h 53 min
